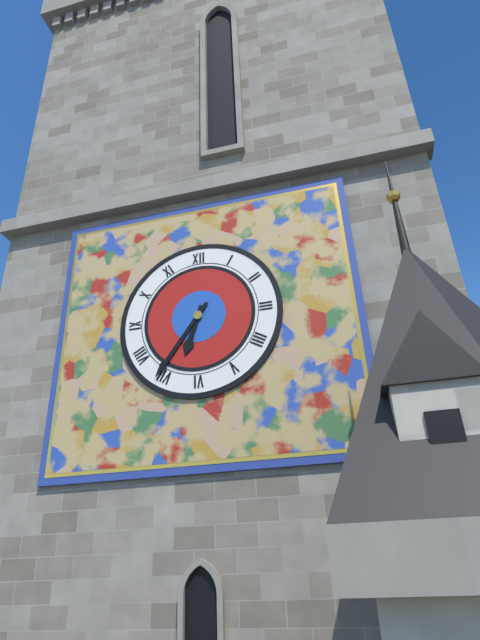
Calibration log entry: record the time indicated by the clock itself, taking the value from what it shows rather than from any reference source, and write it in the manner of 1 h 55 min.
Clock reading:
6 h 36 min
